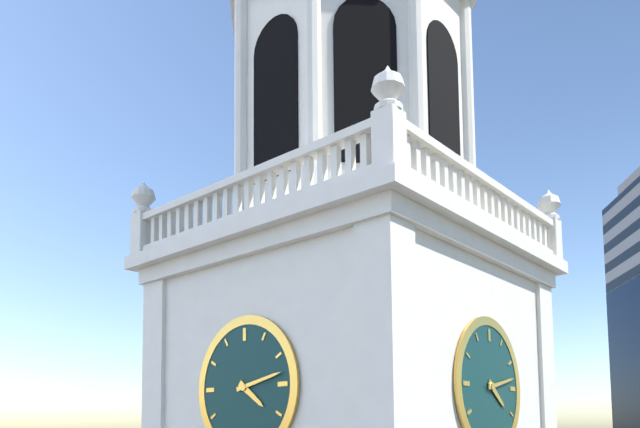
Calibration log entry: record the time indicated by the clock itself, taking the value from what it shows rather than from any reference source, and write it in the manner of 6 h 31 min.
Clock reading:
4 h 13 min
